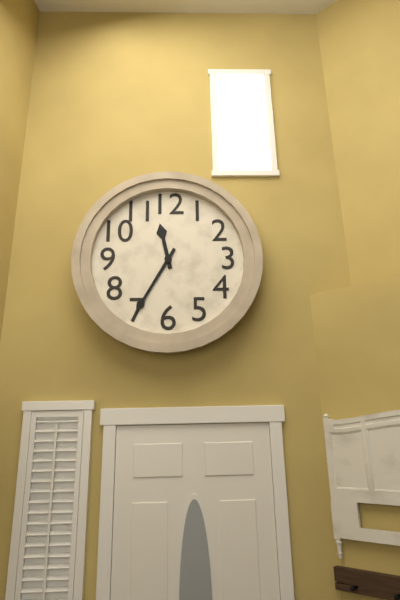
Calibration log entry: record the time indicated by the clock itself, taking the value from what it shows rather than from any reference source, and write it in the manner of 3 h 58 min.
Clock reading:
11 h 35 min
